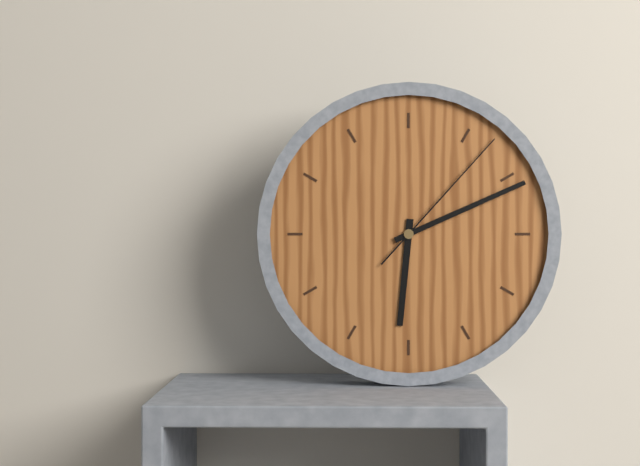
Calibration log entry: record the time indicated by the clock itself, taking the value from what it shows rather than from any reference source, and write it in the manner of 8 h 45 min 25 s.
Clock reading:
6 h 11 min 07 s
